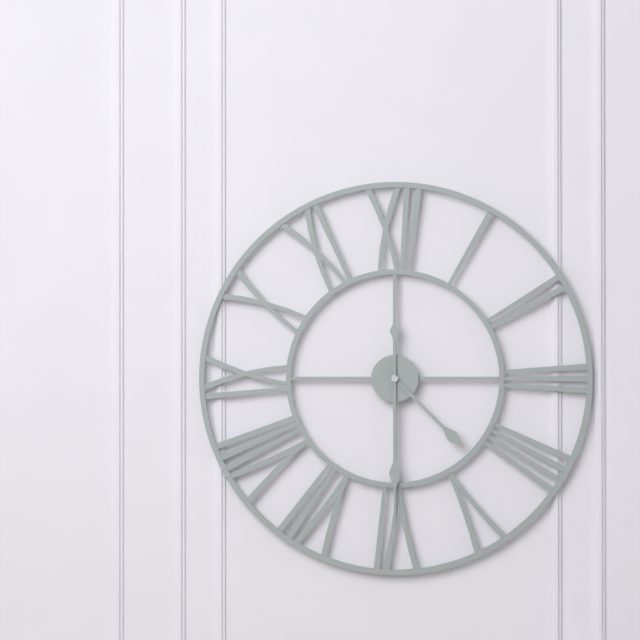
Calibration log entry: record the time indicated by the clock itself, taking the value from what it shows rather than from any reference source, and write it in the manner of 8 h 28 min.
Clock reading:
4 h 30 min
